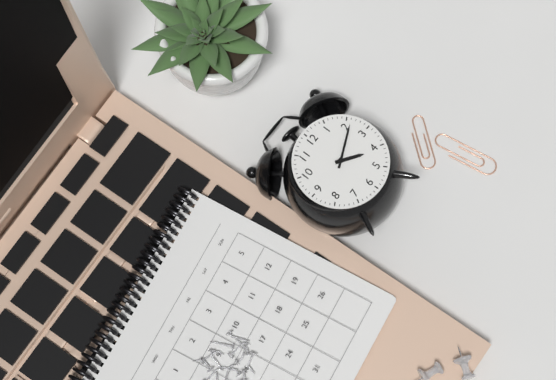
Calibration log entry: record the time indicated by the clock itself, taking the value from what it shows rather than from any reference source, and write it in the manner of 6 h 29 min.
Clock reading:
4 h 11 min
